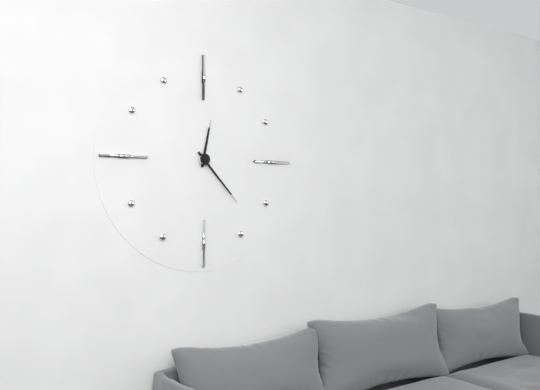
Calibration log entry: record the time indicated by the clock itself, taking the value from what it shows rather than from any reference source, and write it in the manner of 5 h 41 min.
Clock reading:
12 h 23 min
